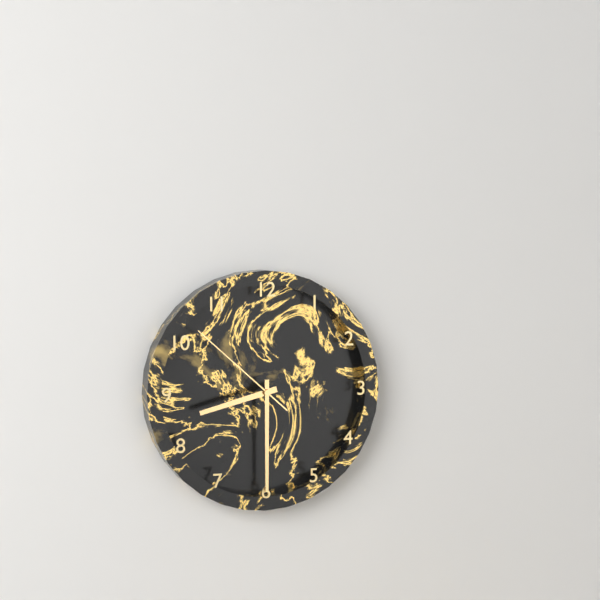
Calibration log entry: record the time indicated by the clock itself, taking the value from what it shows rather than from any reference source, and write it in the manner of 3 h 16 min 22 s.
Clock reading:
8 h 30 min 52 s
